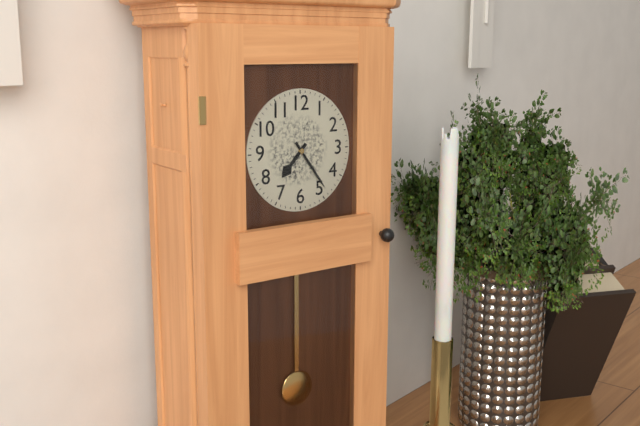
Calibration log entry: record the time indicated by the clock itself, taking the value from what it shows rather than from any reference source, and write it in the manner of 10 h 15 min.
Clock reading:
7 h 24 min
